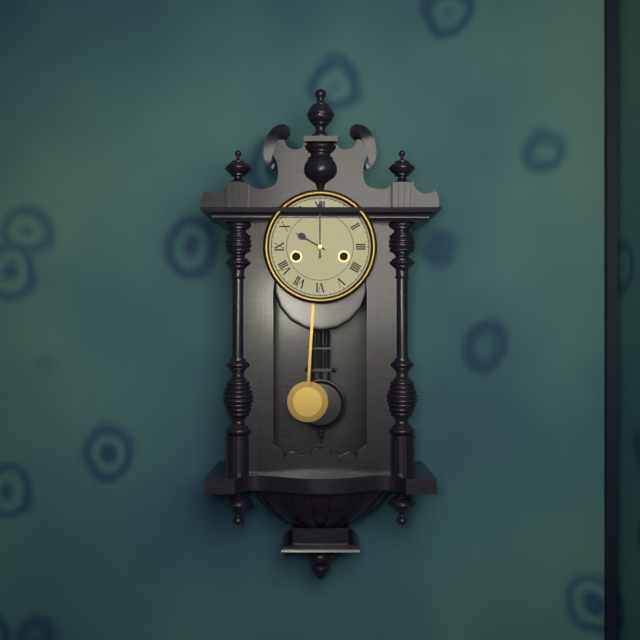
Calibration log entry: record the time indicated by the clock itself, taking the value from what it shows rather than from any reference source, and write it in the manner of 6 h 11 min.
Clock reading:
10 h 00 min
